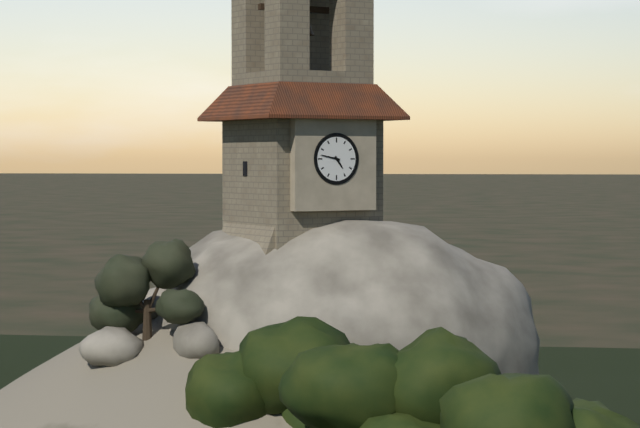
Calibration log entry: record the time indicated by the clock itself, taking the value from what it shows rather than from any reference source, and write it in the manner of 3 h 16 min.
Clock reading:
4 h 47 min
